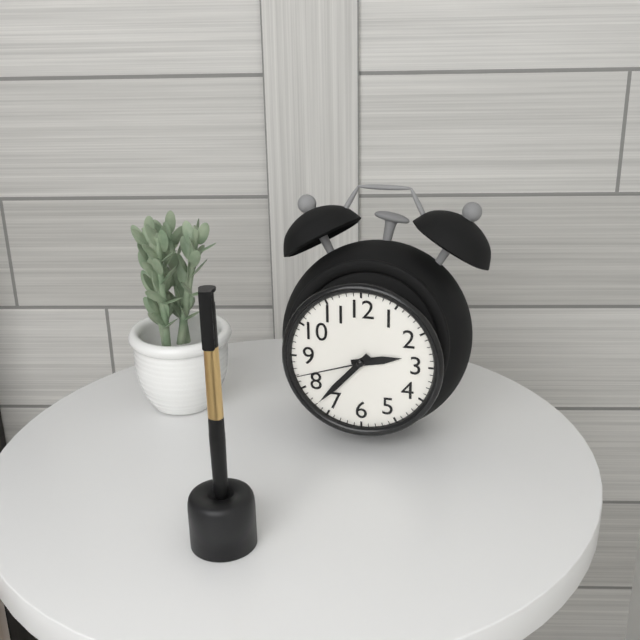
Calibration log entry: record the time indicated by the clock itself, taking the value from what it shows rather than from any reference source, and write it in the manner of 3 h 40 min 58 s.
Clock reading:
2 h 37 min 42 s
